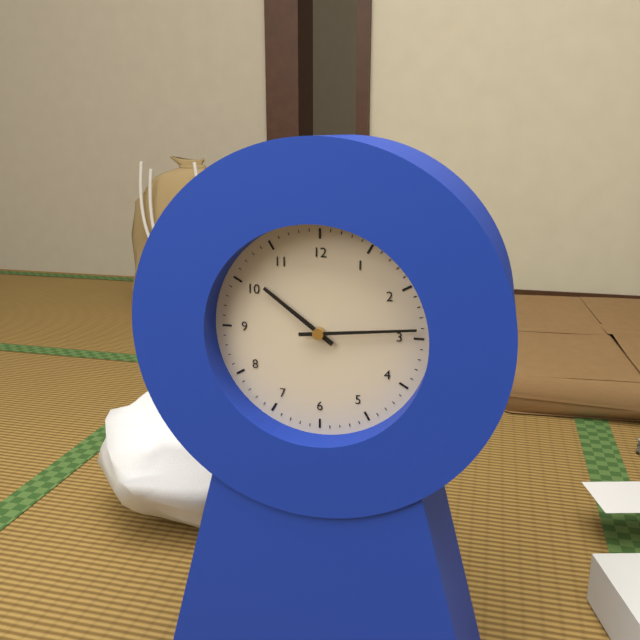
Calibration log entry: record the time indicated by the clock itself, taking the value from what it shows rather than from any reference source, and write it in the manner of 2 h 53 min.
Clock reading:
10 h 14 min
